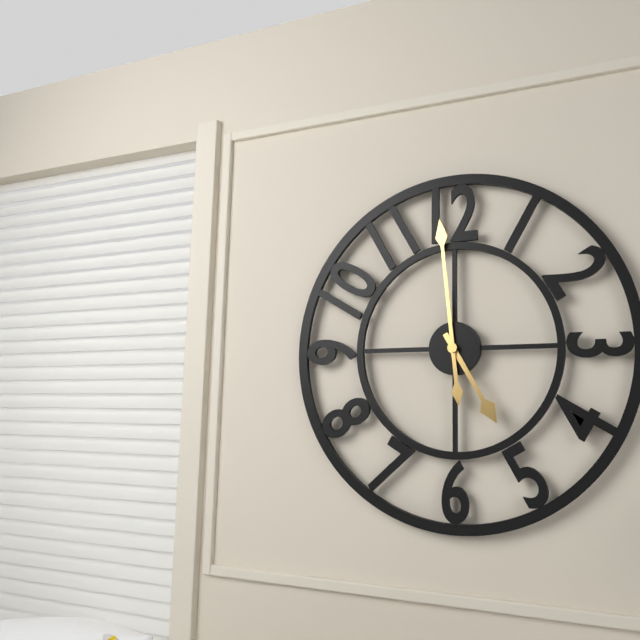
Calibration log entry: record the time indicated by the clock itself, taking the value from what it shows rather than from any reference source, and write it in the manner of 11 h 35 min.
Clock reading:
4 h 59 min
